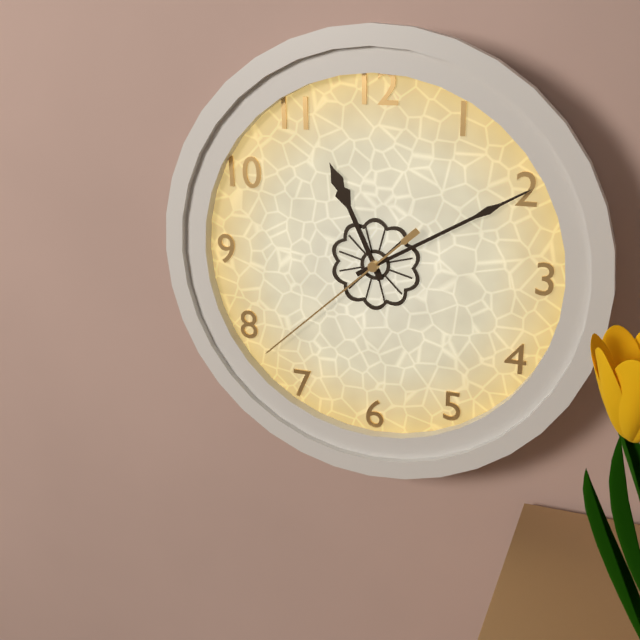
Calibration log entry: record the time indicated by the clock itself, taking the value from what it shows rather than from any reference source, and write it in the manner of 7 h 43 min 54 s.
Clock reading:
11 h 10 min 38 s
